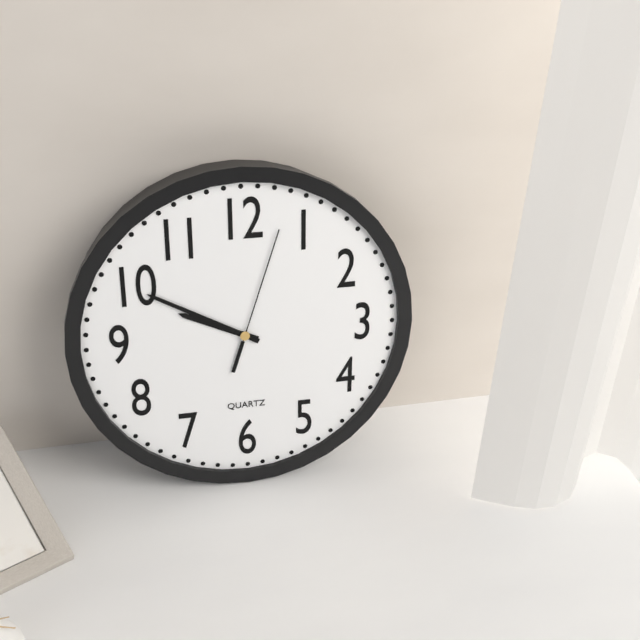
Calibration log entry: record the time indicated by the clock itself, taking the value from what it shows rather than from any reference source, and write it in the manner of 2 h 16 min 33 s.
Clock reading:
9 h 50 min 03 s
